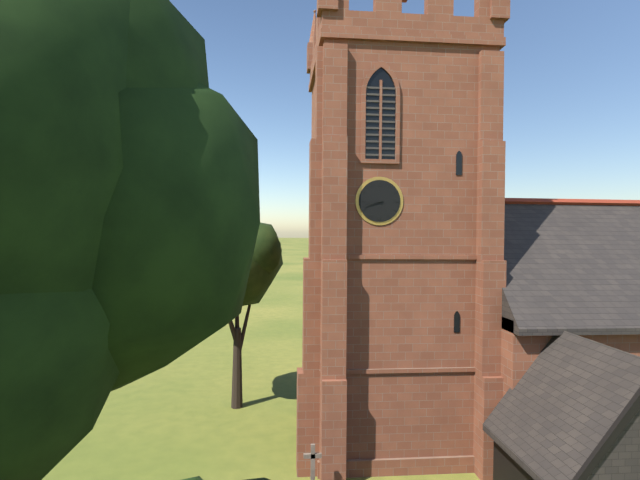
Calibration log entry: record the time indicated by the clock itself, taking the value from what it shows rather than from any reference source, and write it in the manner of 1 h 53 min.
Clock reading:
8 h 42 min
